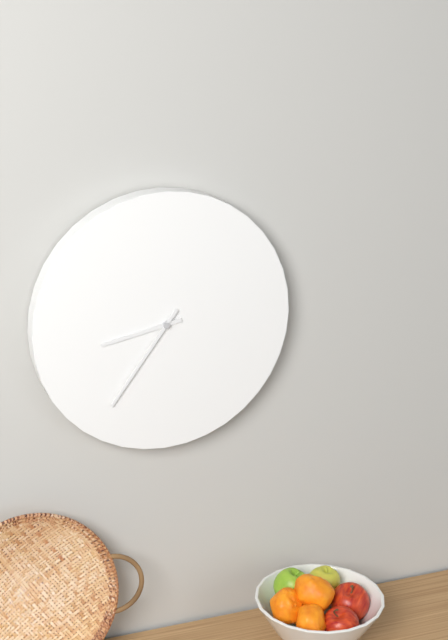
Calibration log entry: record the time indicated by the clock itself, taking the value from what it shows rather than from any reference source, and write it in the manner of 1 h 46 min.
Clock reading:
8 h 36 min
